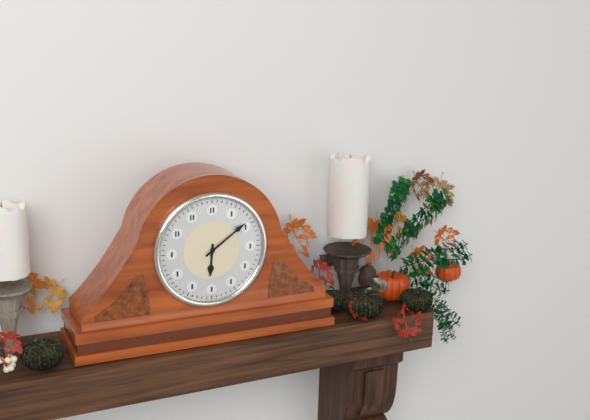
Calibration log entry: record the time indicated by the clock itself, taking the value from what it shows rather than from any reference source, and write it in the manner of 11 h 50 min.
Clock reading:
6 h 09 min
